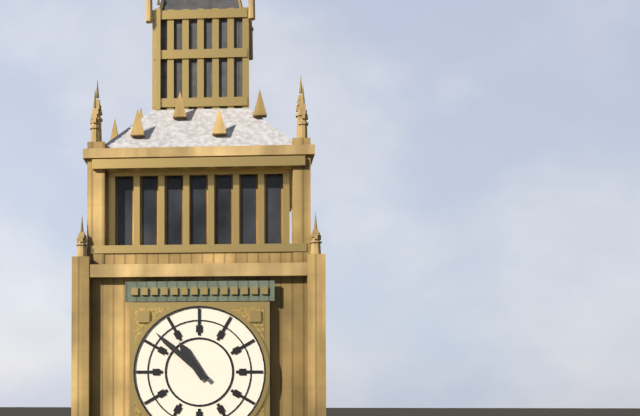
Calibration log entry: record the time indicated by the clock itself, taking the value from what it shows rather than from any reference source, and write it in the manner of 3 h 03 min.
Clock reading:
10 h 52 min
